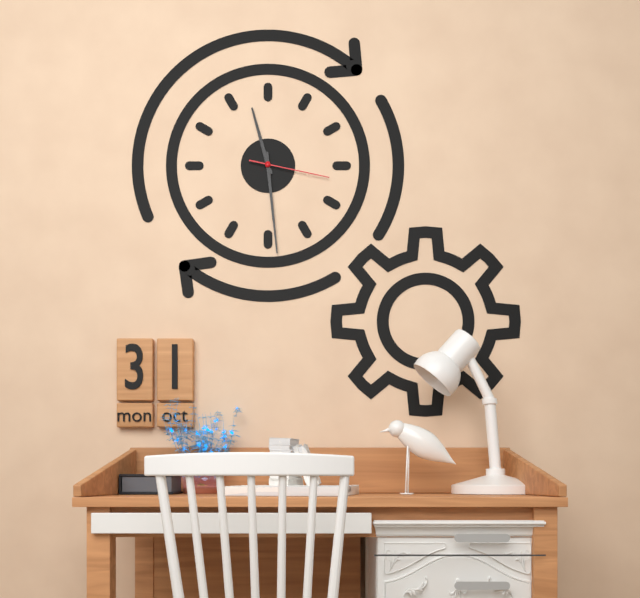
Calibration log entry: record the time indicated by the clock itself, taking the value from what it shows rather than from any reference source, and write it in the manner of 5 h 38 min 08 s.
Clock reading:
11 h 29 min 17 s
